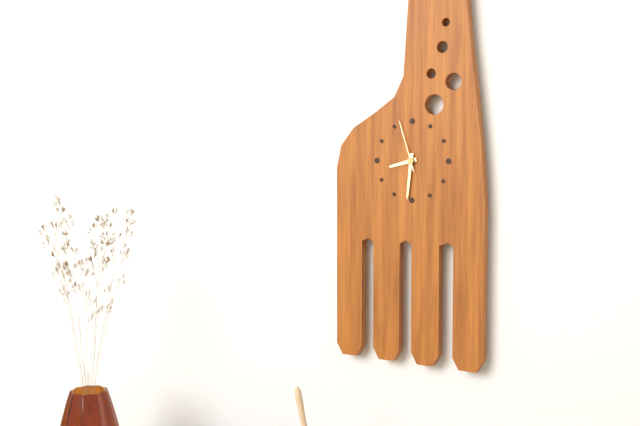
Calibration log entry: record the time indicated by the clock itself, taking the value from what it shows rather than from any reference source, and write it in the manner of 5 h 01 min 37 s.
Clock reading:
8 h 31 min 57 s
